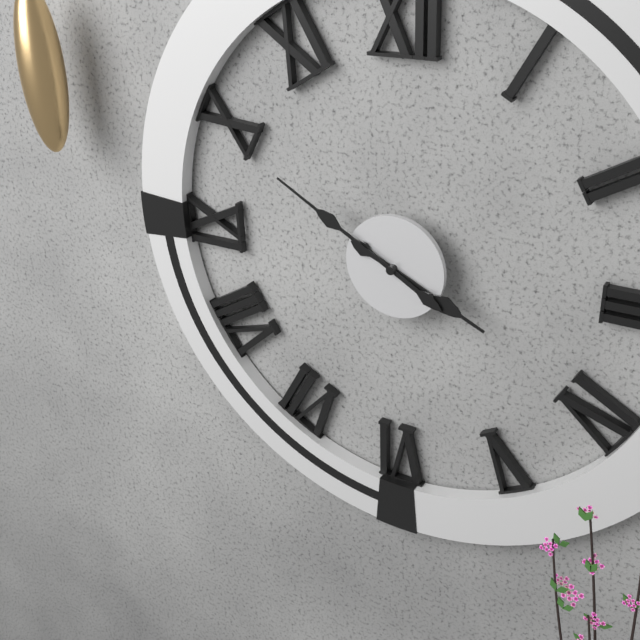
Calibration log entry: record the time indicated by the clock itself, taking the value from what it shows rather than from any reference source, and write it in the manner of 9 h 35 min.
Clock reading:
3 h 50 min
